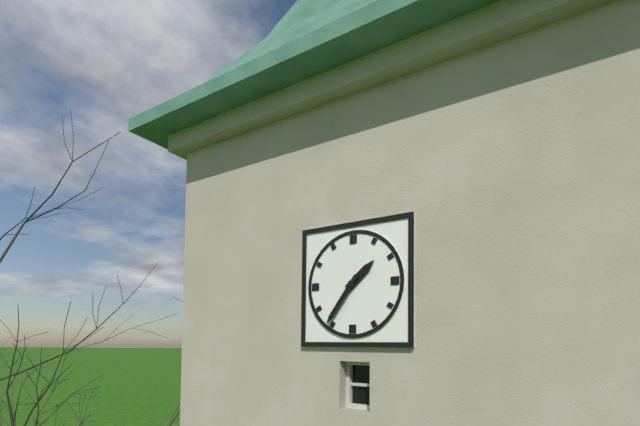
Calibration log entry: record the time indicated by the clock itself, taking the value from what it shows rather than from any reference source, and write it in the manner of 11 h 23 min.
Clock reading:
1 h 36 min
